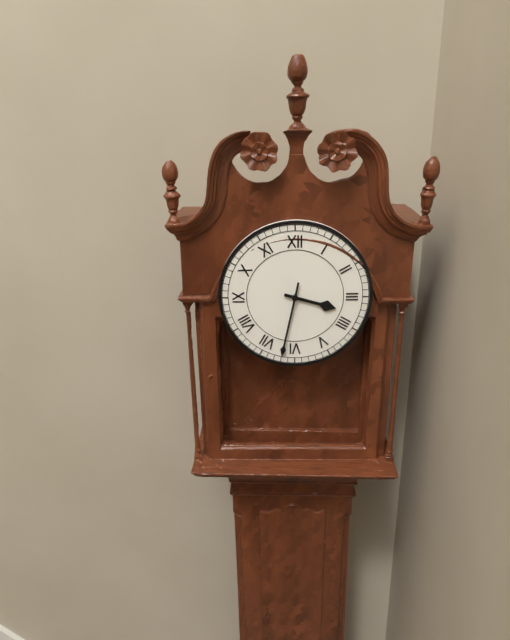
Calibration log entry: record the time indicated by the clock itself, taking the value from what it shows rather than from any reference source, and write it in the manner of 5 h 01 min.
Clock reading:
3 h 32 min
